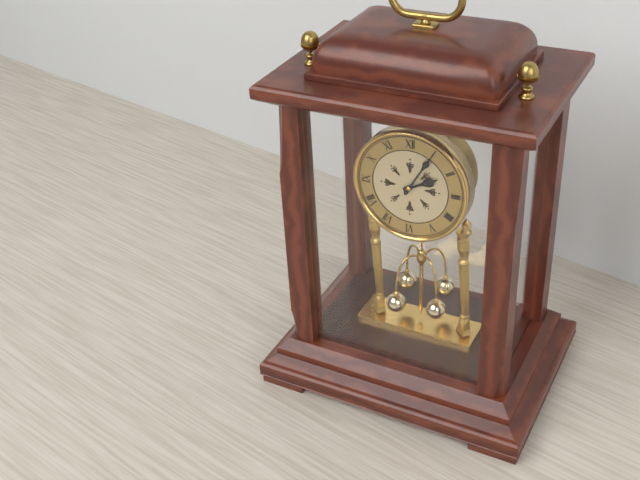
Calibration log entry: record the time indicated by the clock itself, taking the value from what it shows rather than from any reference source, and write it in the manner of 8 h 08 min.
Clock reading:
2 h 05 min
